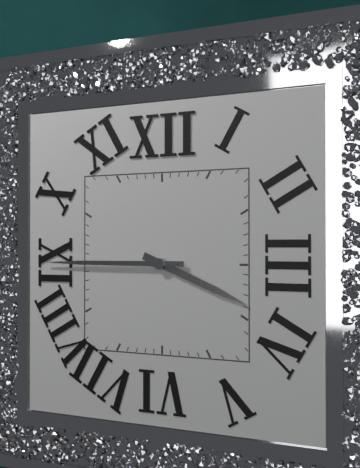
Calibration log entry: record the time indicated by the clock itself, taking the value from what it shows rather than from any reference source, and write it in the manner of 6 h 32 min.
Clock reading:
3 h 45 min
